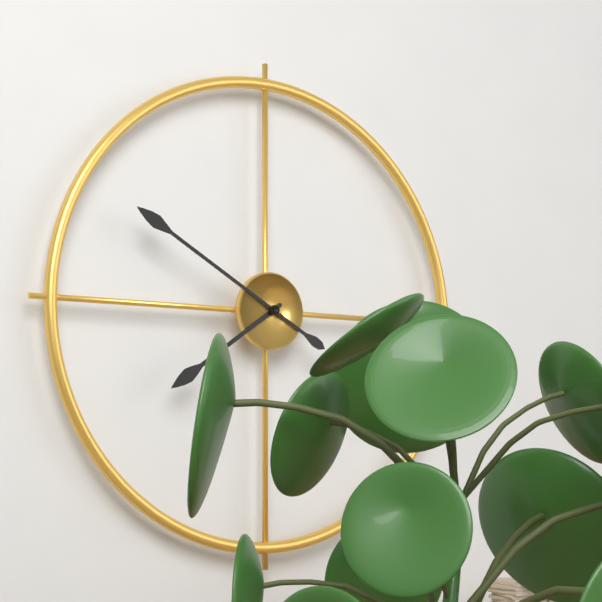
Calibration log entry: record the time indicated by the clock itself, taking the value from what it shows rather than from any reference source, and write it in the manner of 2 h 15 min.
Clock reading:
7 h 50 min
